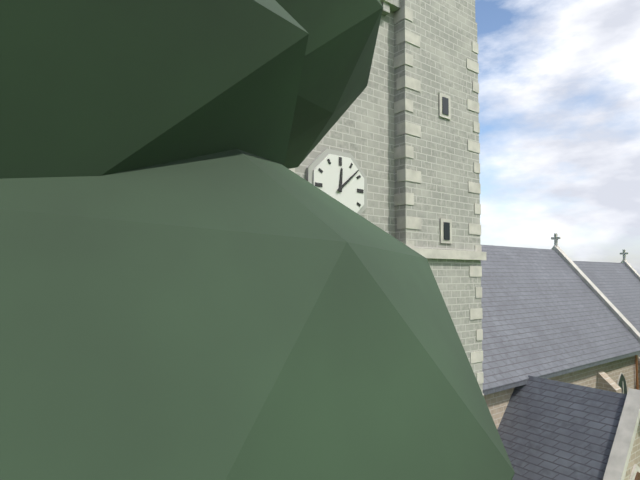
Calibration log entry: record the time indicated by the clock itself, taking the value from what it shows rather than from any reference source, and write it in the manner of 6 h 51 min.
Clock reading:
12 h 08 min
